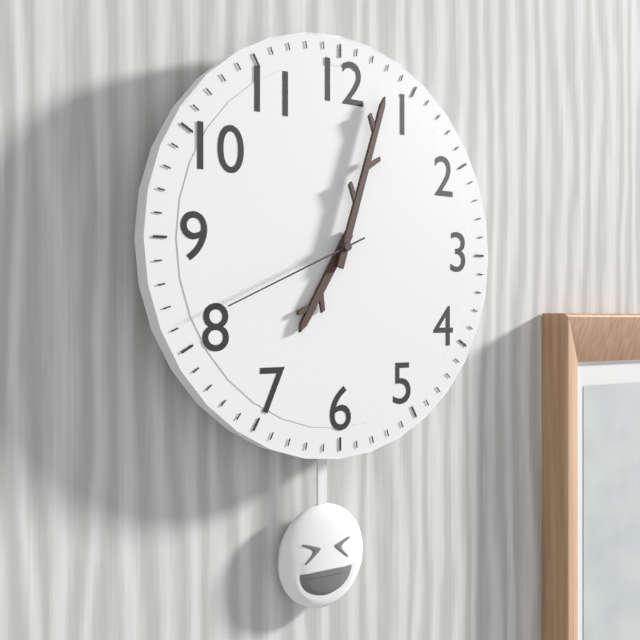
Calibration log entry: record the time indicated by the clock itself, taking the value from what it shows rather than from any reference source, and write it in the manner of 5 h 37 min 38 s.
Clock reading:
7 h 03 min 41 s
